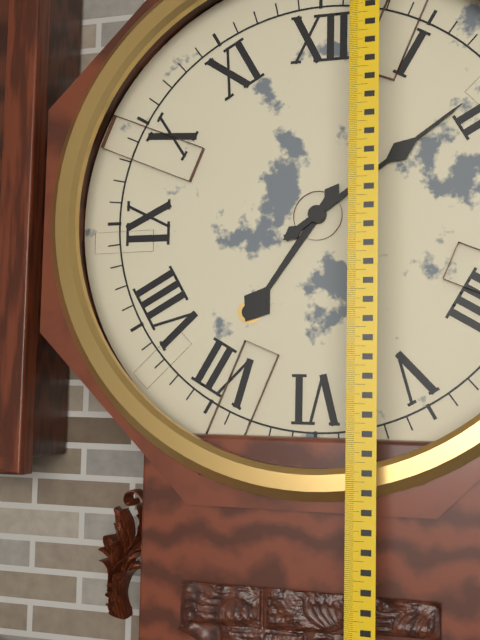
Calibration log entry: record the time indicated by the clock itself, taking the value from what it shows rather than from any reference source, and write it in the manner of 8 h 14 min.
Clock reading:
7 h 09 min
